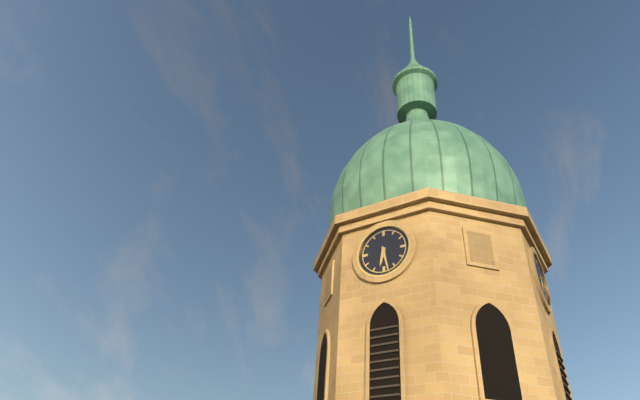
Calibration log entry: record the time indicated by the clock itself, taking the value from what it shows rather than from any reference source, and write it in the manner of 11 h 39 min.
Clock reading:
6 h 28 min
